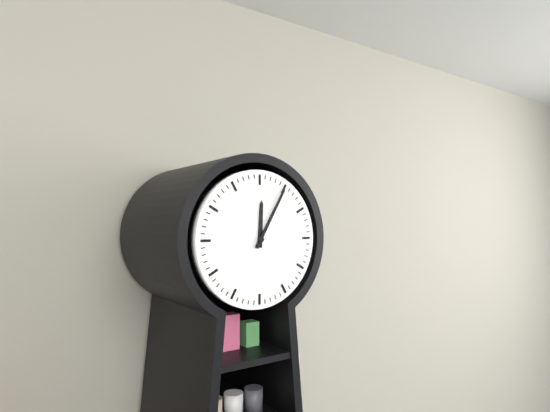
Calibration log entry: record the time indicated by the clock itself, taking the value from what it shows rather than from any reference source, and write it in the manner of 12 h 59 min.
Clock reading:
12 h 05 min
